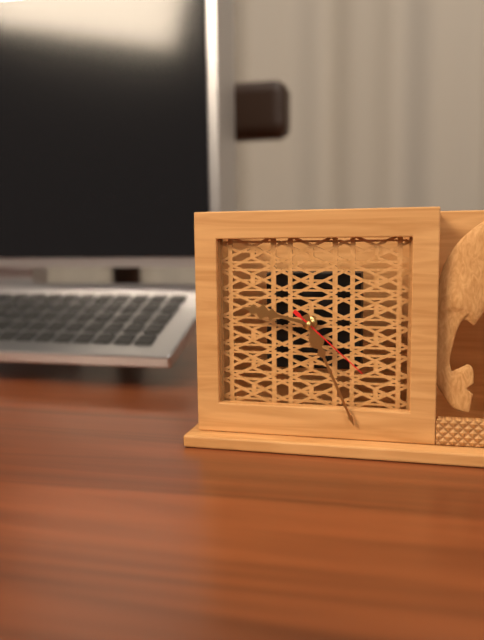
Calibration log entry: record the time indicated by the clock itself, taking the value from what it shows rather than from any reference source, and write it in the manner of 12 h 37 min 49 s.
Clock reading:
9 h 26 min 22 s
